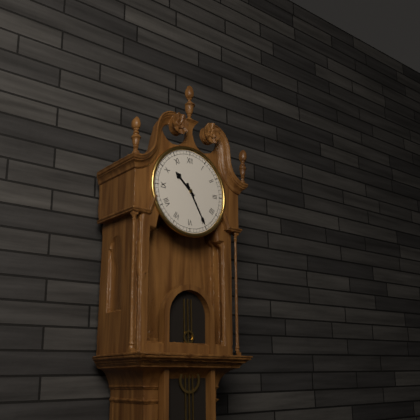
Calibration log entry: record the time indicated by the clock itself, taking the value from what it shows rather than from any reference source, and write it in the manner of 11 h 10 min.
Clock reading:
10 h 25 min
